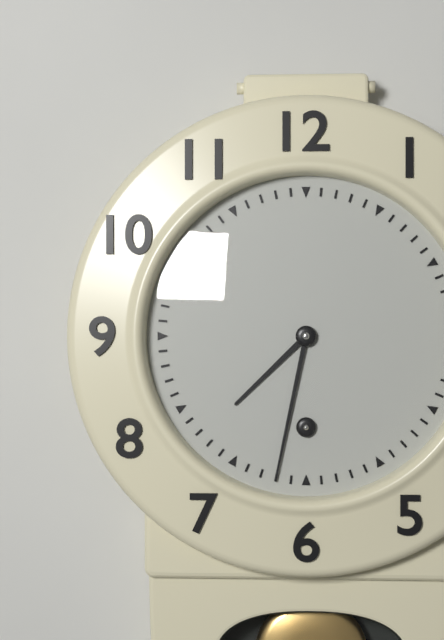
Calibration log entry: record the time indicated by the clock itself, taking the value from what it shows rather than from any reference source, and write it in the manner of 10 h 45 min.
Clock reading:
7 h 32 min
